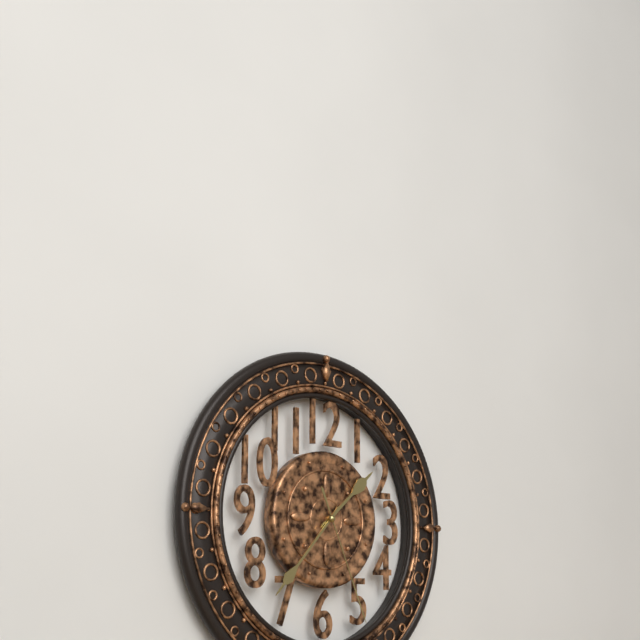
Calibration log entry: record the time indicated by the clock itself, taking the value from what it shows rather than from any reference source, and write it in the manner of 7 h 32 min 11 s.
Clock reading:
1 h 37 min 26 s
